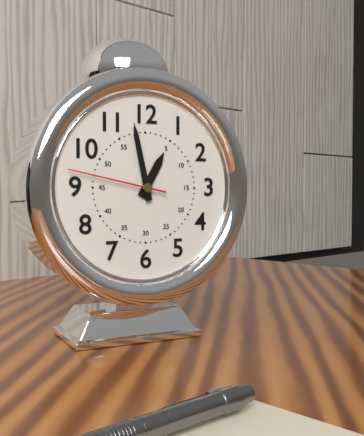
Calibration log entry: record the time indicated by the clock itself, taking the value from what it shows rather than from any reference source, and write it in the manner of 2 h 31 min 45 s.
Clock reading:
12 h 58 min 47 s
